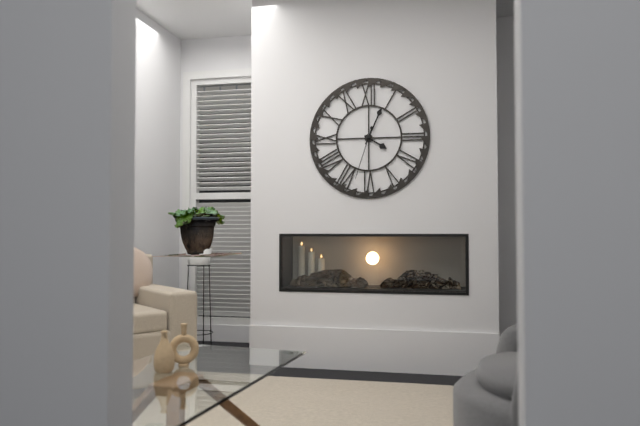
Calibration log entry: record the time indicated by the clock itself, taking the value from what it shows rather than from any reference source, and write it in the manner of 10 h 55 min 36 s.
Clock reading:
4 h 04 min 33 s
